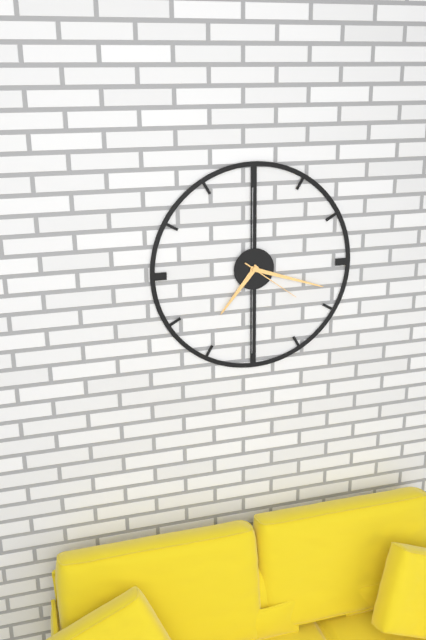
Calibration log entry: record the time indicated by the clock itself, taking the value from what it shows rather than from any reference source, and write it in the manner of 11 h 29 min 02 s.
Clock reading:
7 h 18 min 21 s
